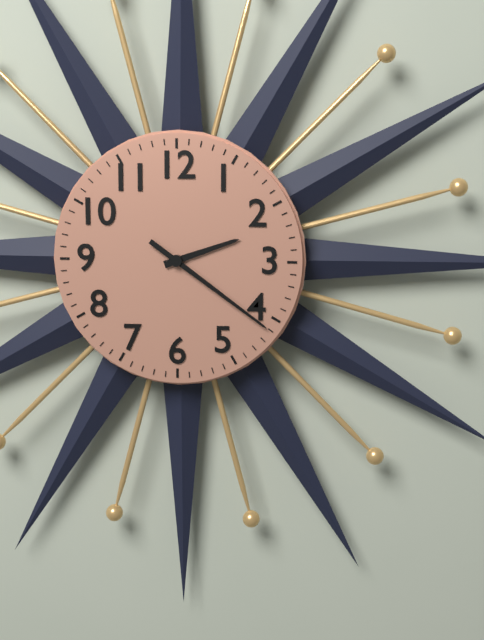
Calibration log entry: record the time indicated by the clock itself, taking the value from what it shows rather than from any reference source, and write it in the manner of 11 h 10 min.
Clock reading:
2 h 21 min
